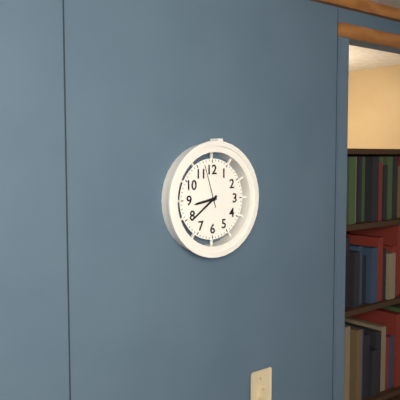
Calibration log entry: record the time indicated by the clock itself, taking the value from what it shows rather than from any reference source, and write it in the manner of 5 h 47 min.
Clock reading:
8 h 39 min
